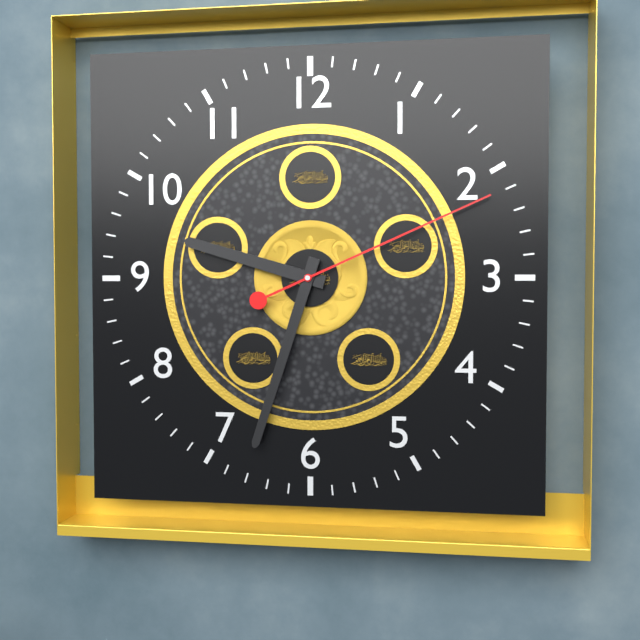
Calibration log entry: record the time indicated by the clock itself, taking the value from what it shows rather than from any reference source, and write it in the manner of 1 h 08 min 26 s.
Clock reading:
9 h 33 min 11 s
